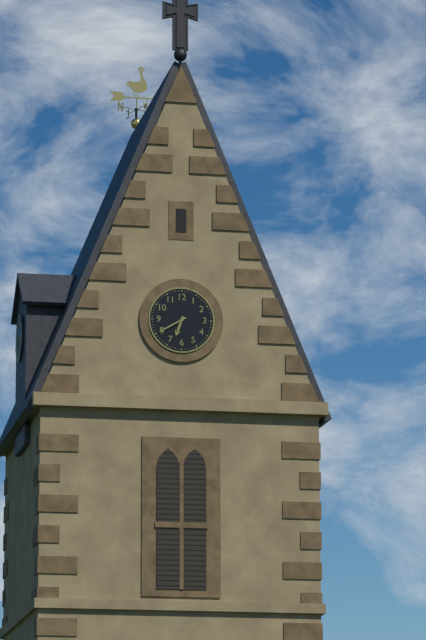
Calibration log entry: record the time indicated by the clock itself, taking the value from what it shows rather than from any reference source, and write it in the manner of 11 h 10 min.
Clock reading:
6 h 40 min
